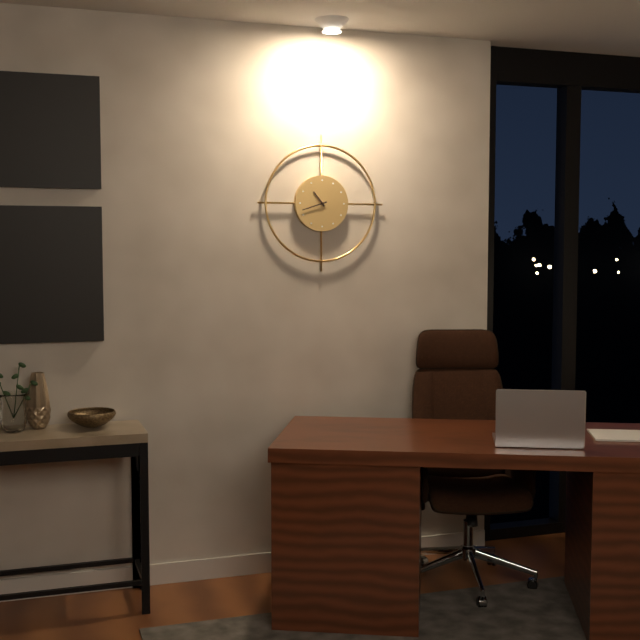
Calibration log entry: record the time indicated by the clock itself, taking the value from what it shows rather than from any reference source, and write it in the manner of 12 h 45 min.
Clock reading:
10 h 42 min
